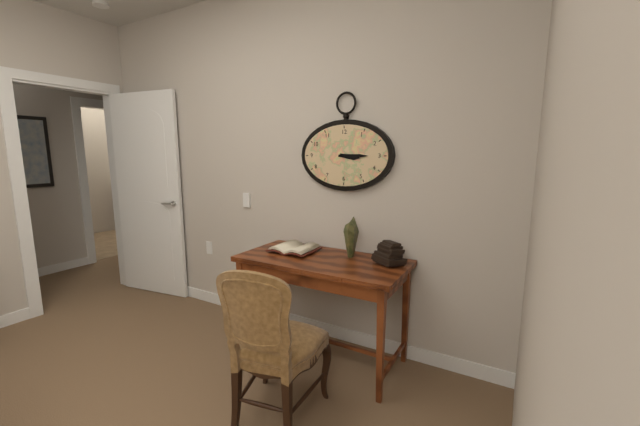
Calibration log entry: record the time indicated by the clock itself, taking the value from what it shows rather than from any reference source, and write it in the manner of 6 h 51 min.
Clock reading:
3 h 15 min
